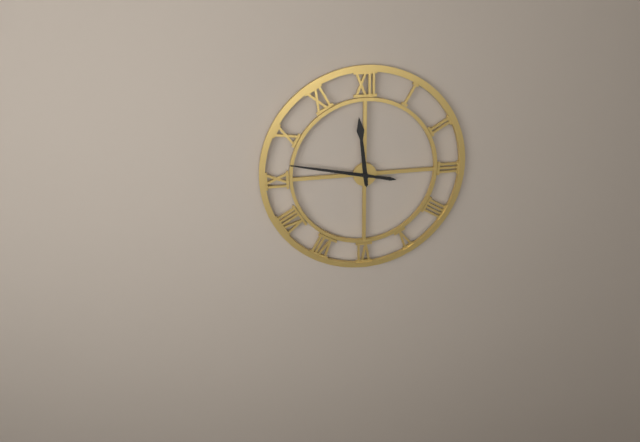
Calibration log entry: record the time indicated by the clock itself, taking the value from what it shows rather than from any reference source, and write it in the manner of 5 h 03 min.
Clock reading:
11 h 47 min
